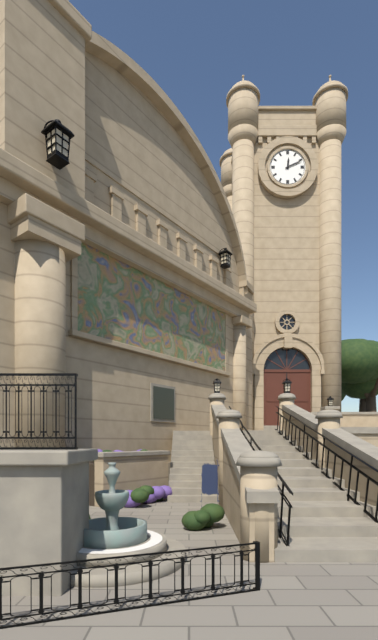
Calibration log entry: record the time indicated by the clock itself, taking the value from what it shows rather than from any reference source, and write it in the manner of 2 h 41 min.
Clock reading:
12 h 11 min
